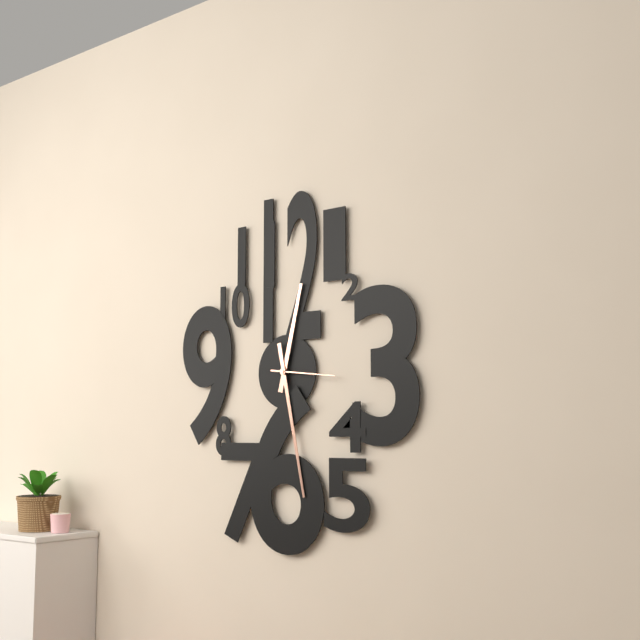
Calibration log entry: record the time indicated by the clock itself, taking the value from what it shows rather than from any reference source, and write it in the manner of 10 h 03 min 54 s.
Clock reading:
12 h 28 min 16 s
